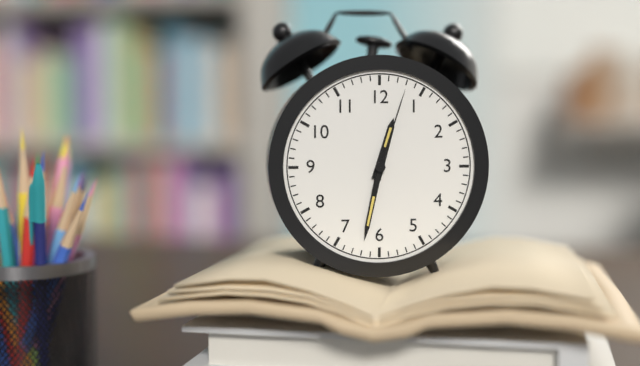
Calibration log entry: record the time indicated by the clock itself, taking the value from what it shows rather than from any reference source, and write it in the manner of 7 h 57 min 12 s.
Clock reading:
12 h 32 min 03 s
